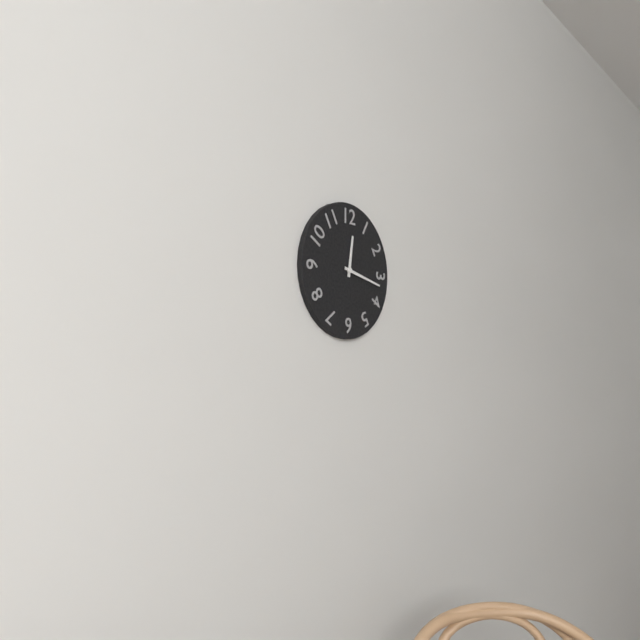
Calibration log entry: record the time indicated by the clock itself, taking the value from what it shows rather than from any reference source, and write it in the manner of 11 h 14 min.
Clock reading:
12 h 17 min
